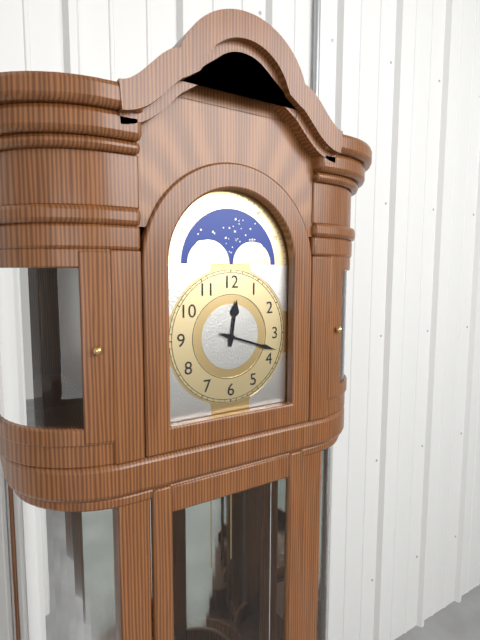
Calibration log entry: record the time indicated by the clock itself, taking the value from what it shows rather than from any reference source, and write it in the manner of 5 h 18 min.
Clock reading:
12 h 18 min
